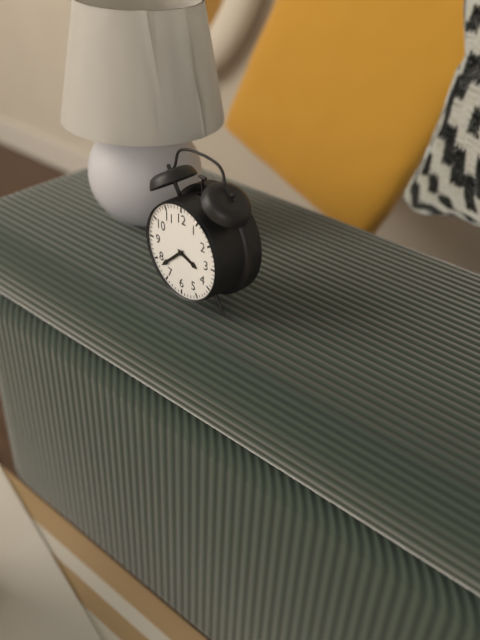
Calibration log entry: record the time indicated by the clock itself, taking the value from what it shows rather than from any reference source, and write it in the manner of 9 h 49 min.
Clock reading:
3 h 38 min
